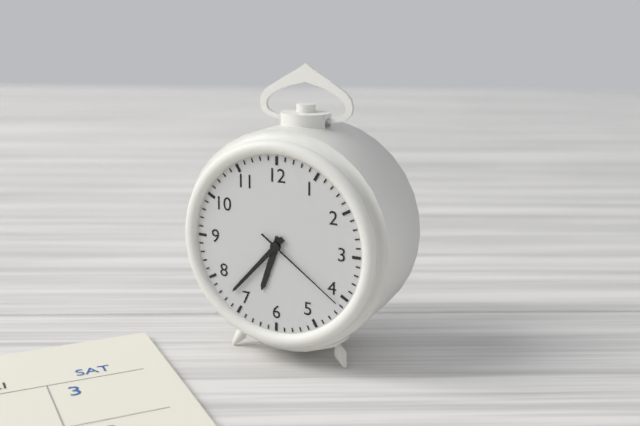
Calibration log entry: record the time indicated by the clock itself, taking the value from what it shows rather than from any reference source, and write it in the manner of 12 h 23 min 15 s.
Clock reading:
6 h 37 min 21 s
